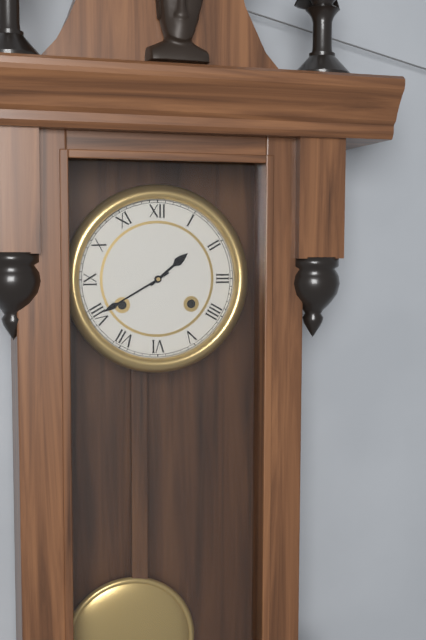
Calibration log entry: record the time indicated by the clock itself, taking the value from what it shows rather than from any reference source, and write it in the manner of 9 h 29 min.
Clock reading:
1 h 40 min
